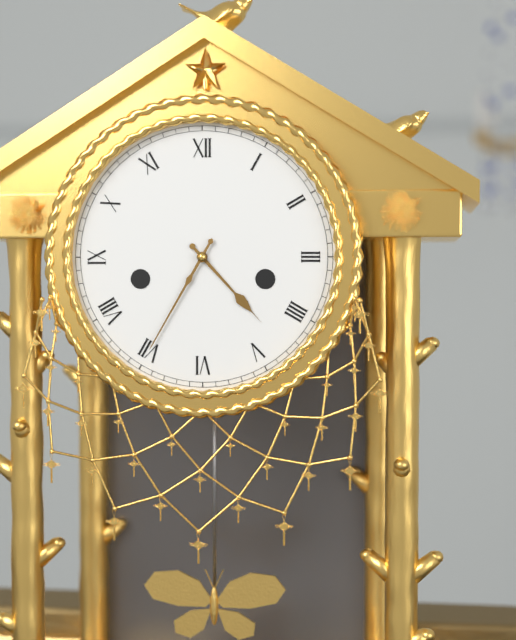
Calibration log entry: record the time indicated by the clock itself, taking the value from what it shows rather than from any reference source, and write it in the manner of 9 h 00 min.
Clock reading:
4 h 35 min
